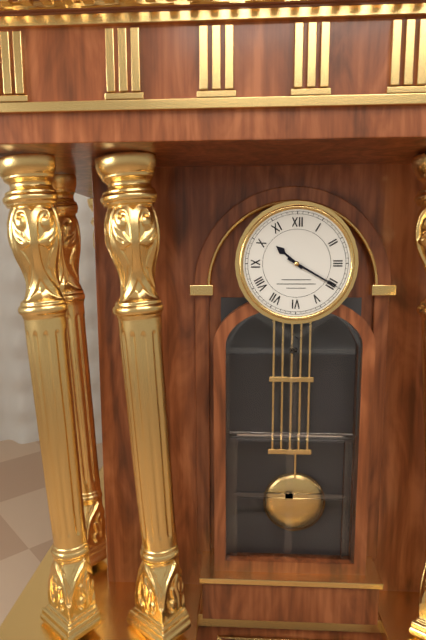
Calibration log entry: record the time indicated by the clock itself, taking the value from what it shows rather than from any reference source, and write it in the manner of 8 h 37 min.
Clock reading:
10 h 20 min
